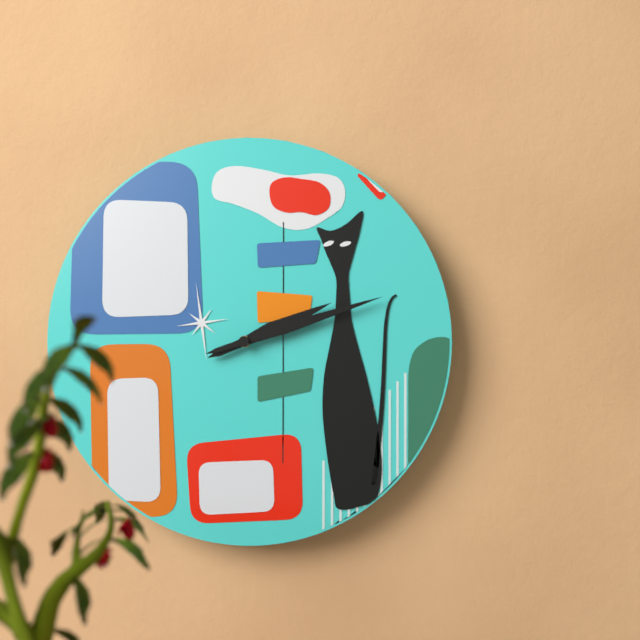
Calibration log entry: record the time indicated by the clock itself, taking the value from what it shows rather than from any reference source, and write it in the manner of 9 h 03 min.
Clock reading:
2 h 12 min
